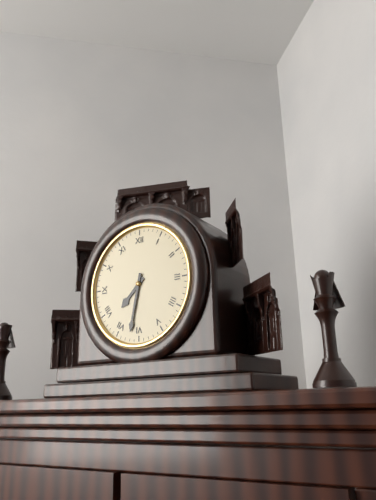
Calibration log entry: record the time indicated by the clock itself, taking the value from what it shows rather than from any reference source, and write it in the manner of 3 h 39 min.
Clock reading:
7 h 32 min
